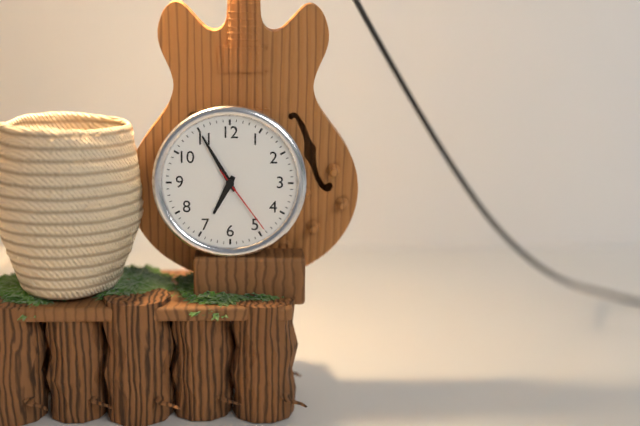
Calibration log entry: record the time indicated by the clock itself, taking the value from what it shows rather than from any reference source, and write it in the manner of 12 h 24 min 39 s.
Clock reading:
6 h 55 min 24 s
